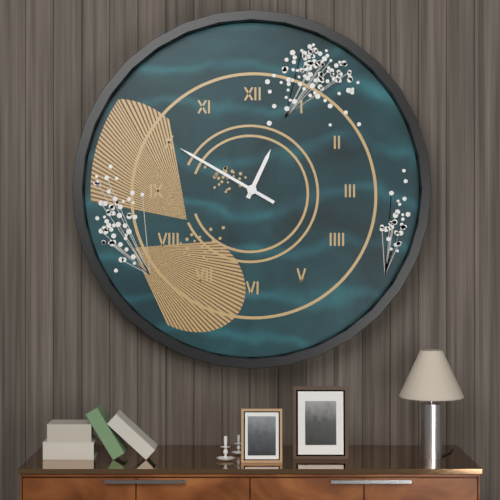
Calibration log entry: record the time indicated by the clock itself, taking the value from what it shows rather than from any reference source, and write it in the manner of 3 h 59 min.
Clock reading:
12 h 50 min
